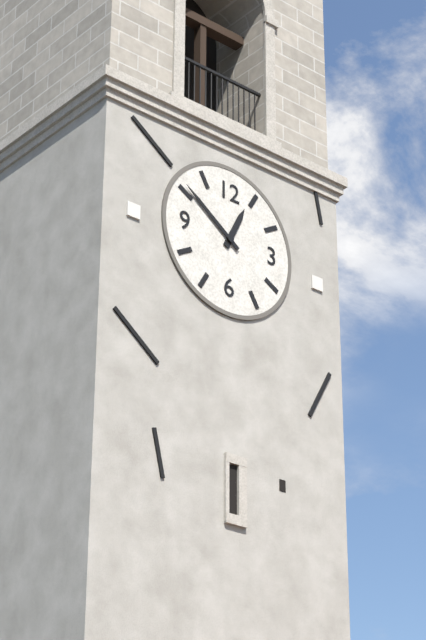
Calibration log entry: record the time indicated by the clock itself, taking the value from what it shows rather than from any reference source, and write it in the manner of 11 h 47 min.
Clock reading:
12 h 51 min
